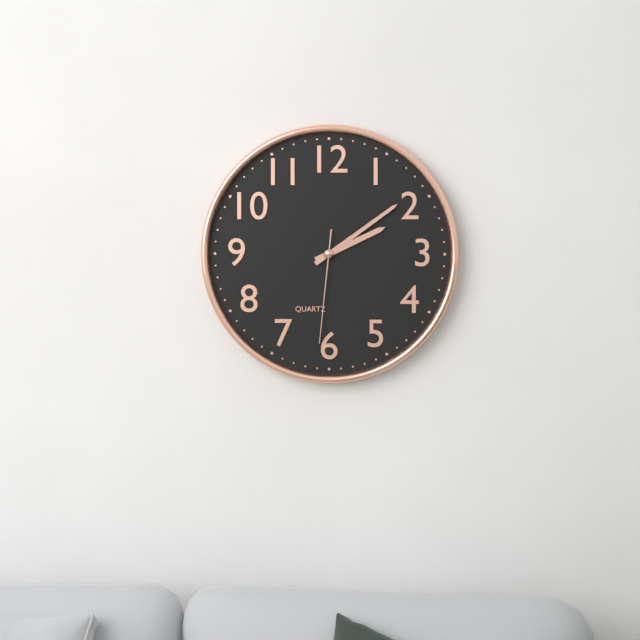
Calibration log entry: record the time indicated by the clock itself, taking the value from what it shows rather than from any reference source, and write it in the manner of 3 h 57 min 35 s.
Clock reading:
2 h 09 min 31 s
